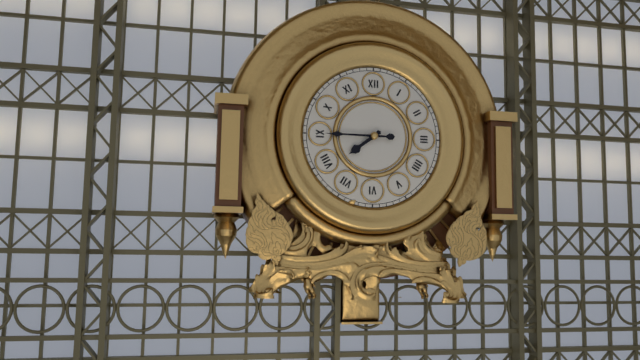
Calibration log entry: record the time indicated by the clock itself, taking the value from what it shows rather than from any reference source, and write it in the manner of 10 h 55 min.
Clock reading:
7 h 45 min
